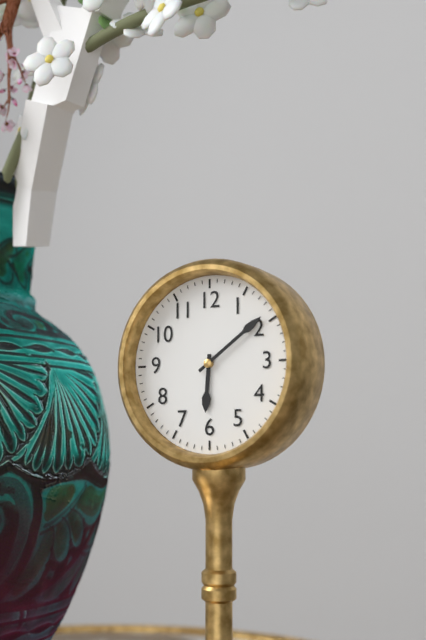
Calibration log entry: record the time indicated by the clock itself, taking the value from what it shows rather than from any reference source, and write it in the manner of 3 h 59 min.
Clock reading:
6 h 09 min
